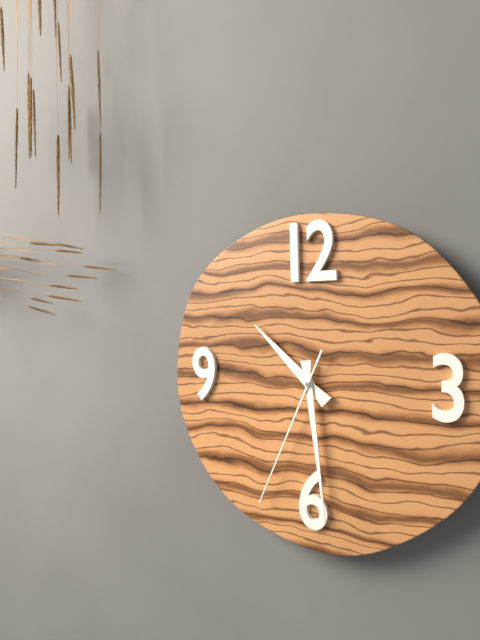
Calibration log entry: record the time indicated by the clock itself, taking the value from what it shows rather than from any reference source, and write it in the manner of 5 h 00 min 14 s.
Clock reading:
10 h 29 min 34 s
